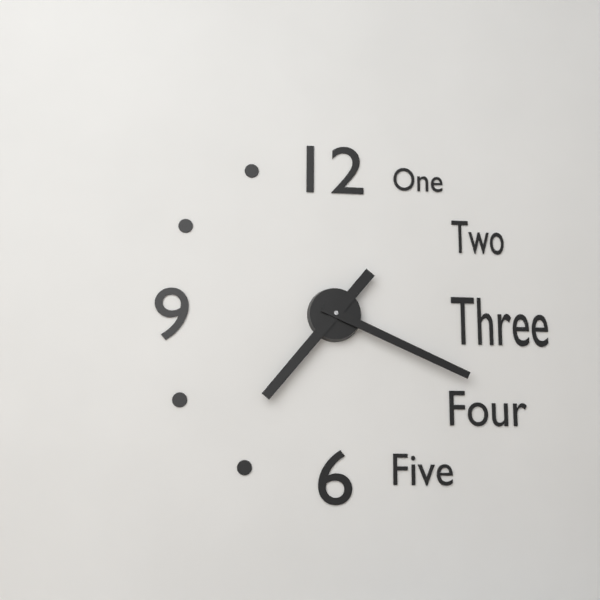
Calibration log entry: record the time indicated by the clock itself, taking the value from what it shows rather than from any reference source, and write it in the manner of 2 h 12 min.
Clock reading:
7 h 19 min
